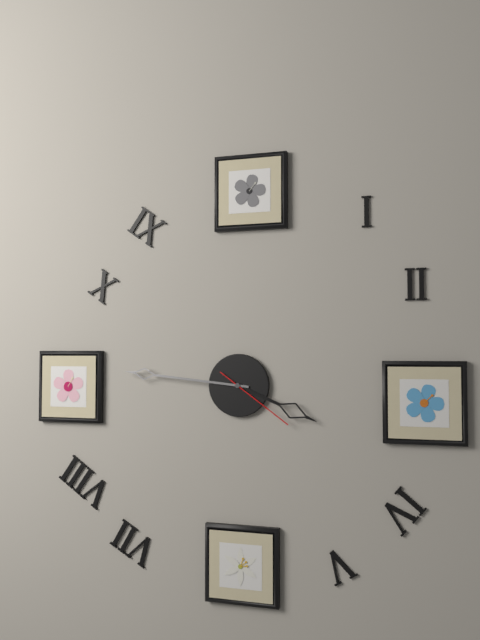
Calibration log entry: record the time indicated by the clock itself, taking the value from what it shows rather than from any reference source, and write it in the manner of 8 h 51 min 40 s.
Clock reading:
3 h 46 min 21 s
